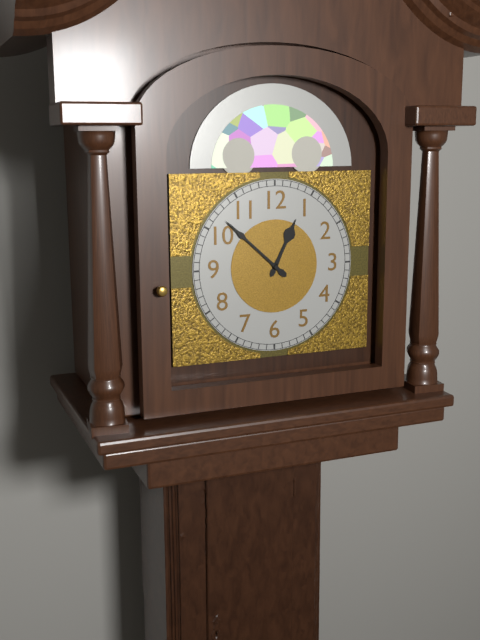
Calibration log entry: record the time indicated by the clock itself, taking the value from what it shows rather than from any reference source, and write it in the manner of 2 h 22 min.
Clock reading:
12 h 52 min
